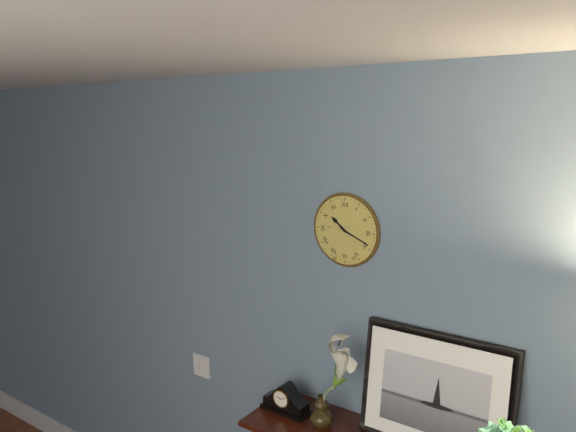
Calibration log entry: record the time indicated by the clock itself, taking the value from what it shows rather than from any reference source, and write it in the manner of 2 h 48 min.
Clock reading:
10 h 19 min
